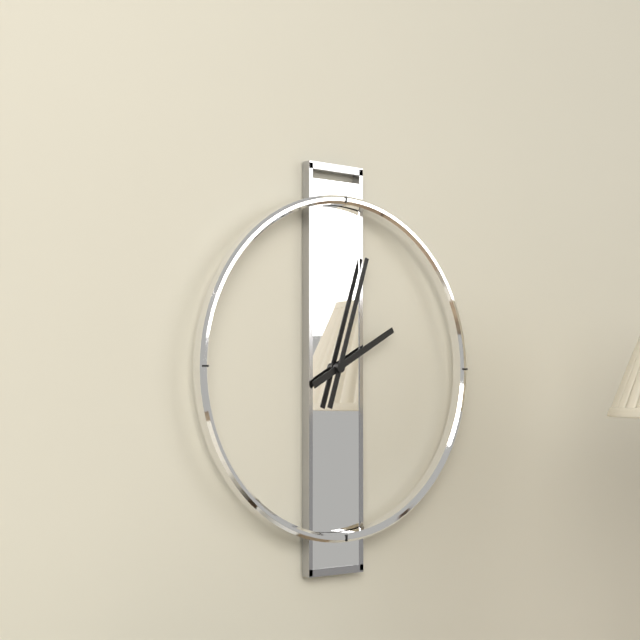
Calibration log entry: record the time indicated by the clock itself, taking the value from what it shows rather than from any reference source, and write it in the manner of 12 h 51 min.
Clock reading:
2 h 03 min
